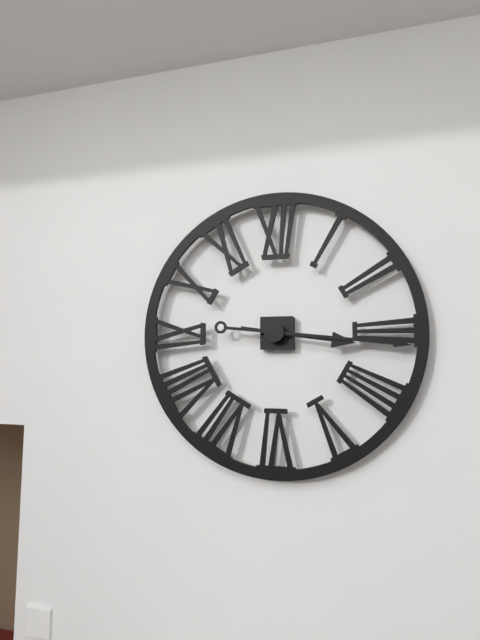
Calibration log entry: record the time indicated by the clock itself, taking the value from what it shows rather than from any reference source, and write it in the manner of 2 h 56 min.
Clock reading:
3 h 16 min
